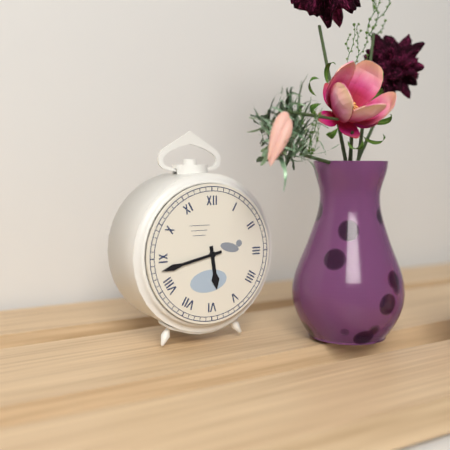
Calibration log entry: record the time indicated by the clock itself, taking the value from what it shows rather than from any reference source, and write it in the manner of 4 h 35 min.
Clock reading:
5 h 43 min
